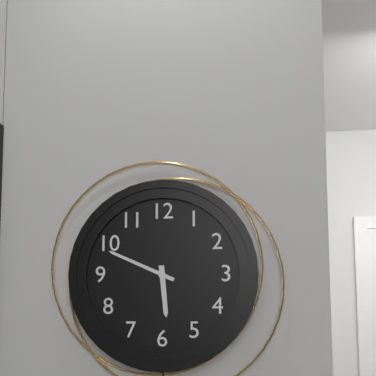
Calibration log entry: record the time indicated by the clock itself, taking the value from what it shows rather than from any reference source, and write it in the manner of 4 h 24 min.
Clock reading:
5 h 49 min
